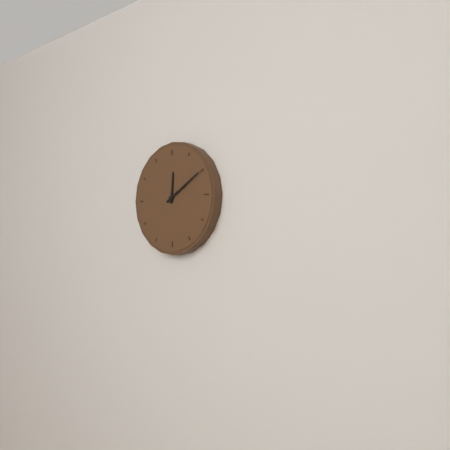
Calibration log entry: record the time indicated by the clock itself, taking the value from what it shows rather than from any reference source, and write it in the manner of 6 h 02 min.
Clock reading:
12 h 10 min
